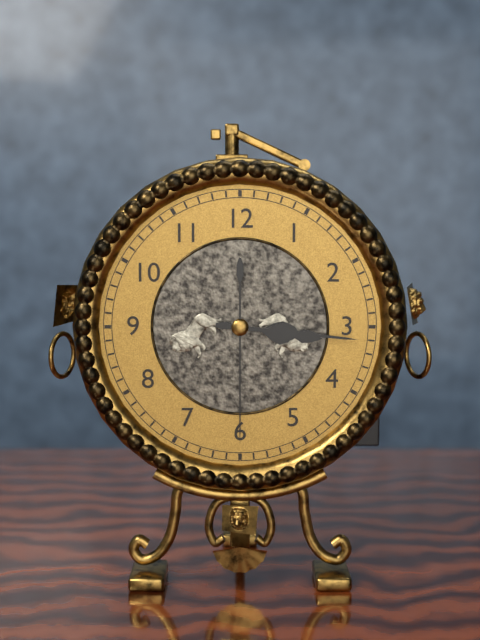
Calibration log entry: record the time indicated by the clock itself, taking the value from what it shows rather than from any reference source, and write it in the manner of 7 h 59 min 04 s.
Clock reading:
3 h 16 min 30 s
